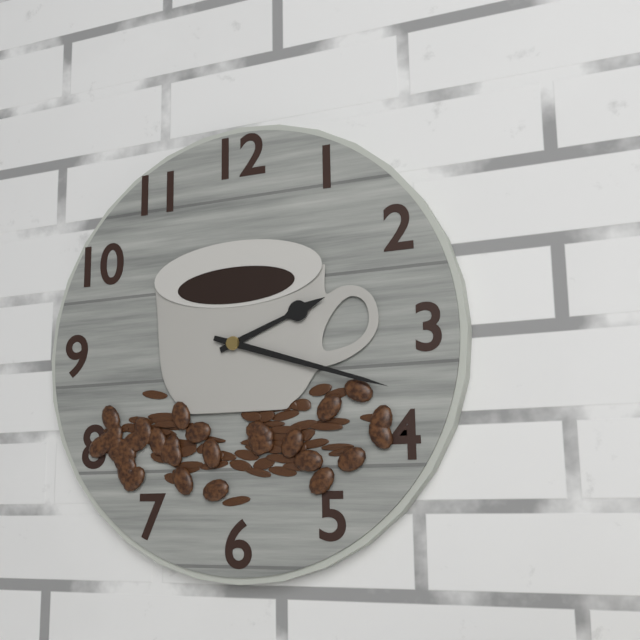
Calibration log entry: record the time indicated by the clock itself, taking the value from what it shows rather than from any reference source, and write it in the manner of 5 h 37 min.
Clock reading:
2 h 18 min
